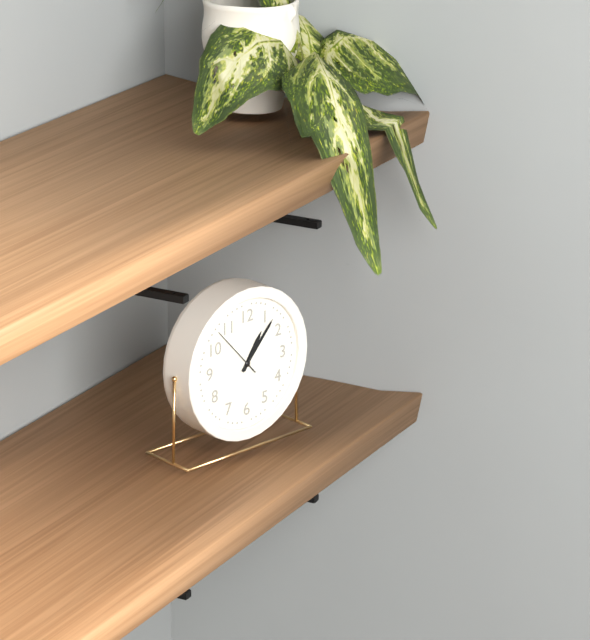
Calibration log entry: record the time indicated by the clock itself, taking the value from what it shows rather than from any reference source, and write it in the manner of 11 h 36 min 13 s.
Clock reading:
1 h 07 min 53 s
